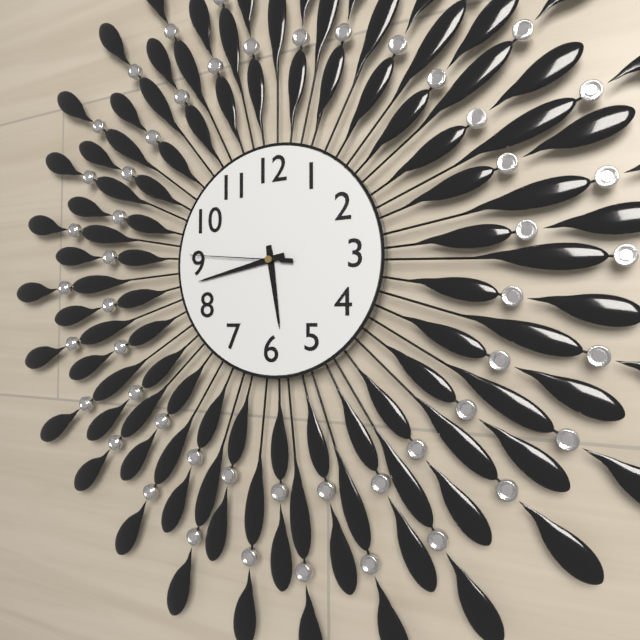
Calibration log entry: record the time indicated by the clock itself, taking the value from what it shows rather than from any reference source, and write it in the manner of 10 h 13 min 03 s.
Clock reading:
5 h 43 min 46 s
